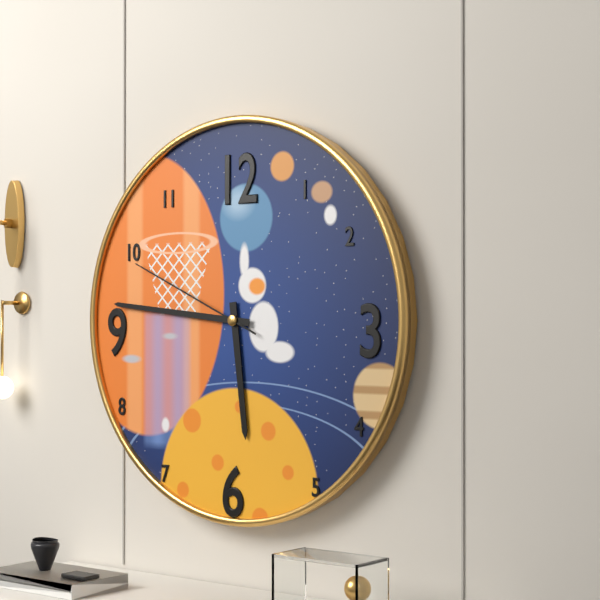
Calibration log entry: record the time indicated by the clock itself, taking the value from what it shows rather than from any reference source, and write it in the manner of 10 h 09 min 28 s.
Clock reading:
5 h 46 min 49 s
